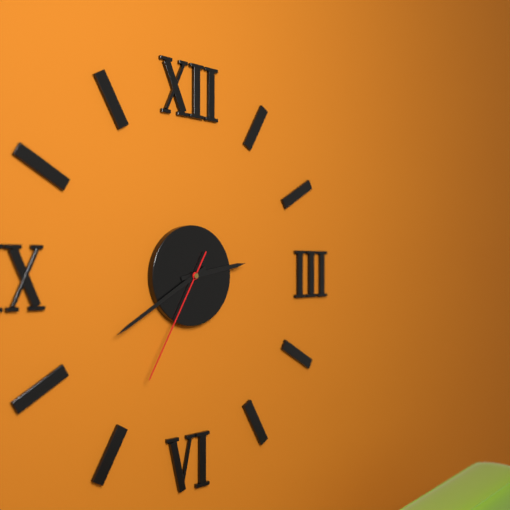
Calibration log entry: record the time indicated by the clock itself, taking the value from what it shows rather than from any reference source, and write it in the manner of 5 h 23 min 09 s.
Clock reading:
2 h 40 min 35 s
